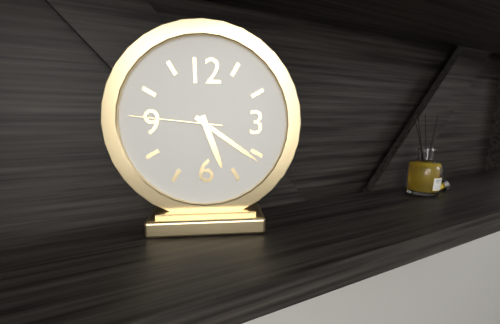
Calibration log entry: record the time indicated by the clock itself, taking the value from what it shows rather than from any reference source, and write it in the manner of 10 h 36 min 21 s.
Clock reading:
5 h 21 min 46 s
